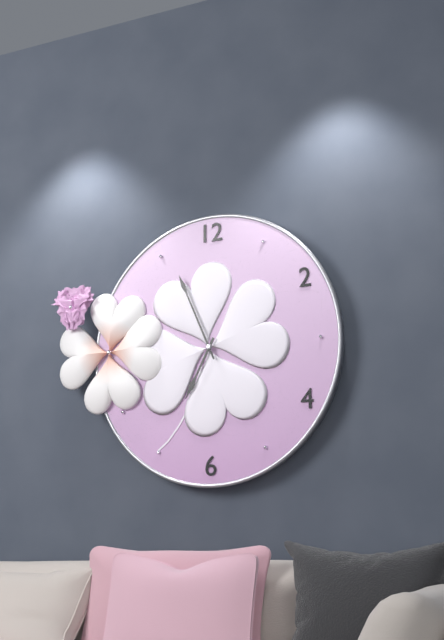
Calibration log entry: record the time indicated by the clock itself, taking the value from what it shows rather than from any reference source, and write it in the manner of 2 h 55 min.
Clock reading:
6 h 56 min
